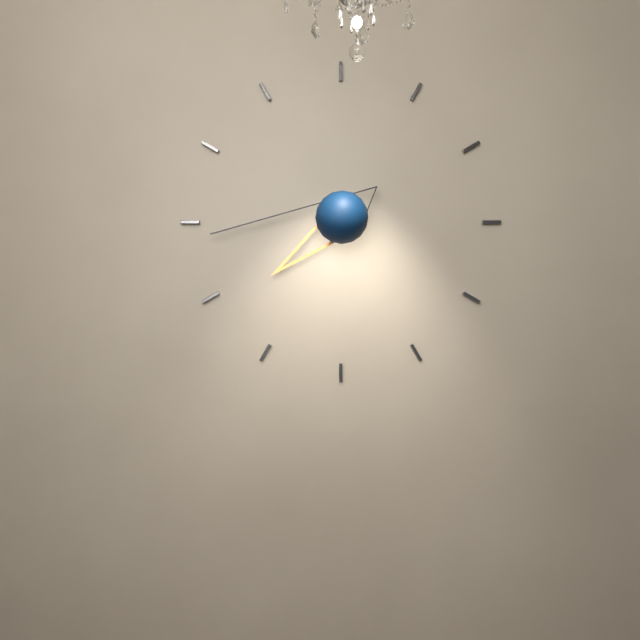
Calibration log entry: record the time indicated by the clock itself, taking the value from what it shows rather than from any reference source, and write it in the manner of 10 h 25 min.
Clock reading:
7 h 44 min
